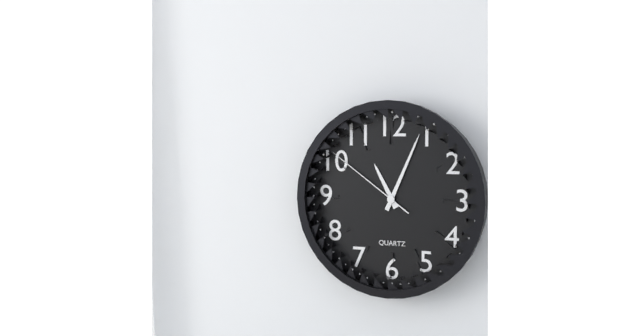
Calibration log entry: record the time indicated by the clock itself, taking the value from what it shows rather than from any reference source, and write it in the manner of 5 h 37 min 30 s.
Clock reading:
11 h 04 min 51 s
